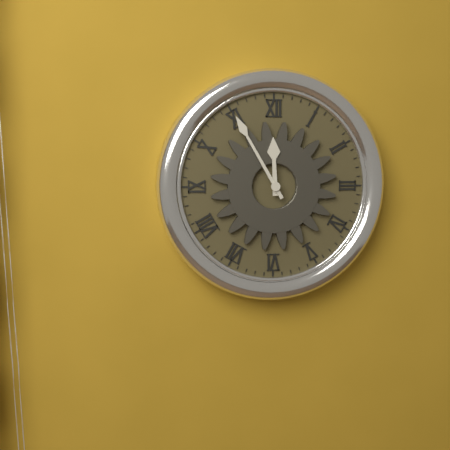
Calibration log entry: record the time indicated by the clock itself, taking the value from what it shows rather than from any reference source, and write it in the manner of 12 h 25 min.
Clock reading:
11 h 55 min
